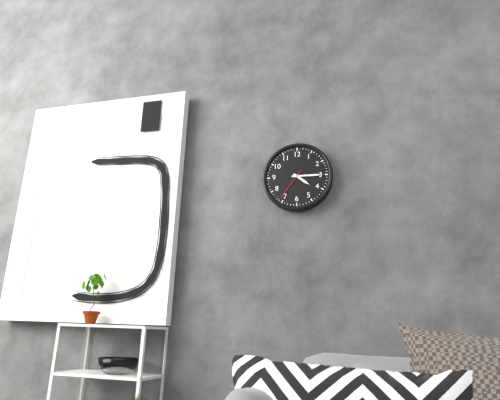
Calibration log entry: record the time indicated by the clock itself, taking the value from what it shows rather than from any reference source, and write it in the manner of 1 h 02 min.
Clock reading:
4 h 15 min
